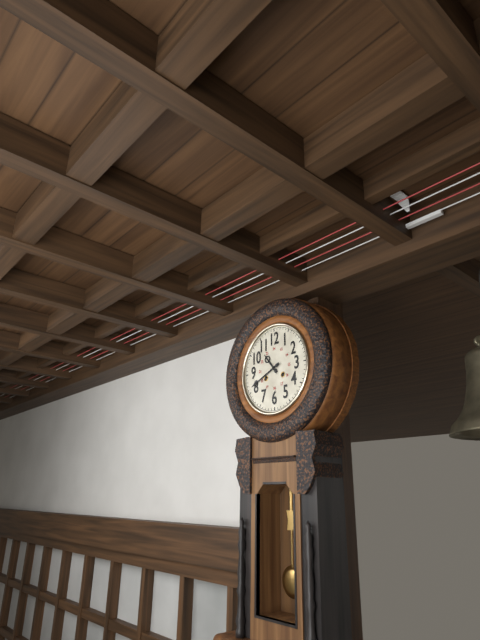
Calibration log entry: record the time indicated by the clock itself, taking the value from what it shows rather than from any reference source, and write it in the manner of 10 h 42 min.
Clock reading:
10 h 41 min
